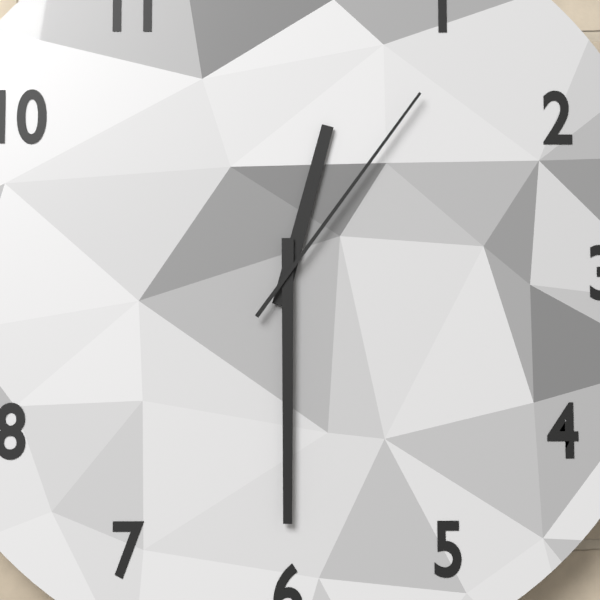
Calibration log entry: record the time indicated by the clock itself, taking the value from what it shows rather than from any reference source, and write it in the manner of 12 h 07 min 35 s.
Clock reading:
12 h 30 min 06 s
